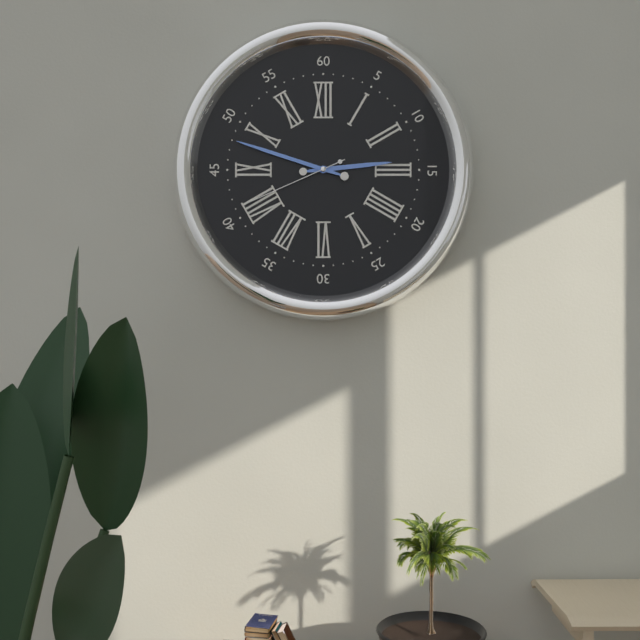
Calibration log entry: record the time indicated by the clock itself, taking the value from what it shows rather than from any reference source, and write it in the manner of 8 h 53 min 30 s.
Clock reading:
2 h 48 min 41 s
